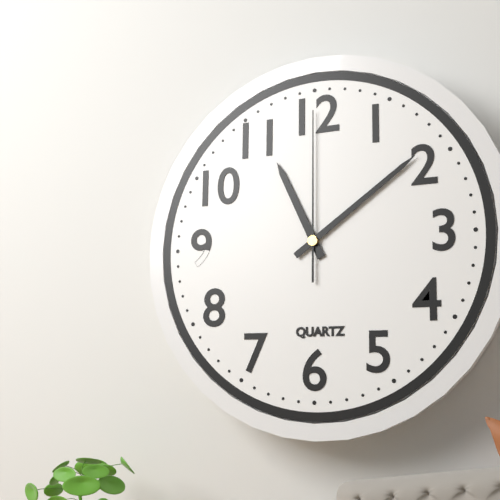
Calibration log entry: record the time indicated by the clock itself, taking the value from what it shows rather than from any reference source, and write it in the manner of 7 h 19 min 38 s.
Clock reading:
11 h 09 min 00 s
